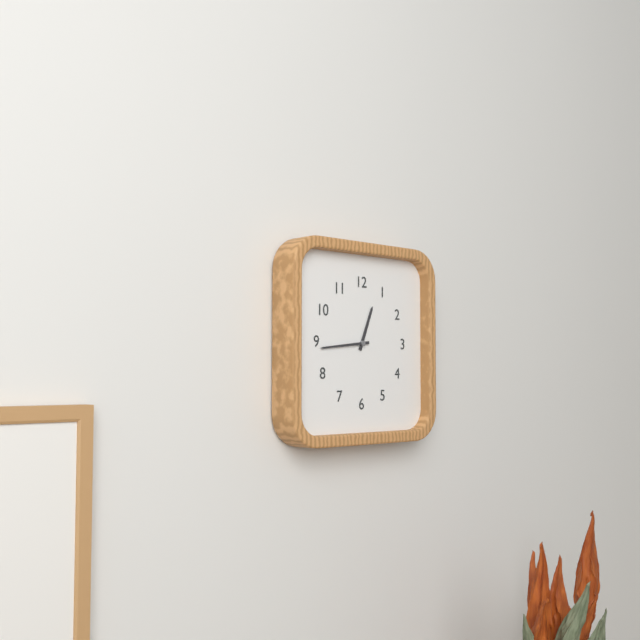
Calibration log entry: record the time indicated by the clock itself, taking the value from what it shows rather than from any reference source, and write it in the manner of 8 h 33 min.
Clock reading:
12 h 44 min
